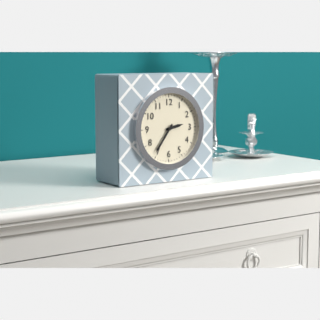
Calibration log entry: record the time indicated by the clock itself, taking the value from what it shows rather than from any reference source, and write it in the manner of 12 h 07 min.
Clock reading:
2 h 36 min
